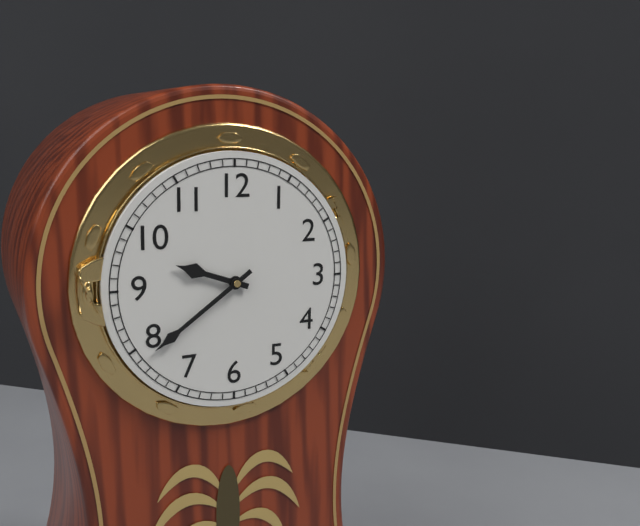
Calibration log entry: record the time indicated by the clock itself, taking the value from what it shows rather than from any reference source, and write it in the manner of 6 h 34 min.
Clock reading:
9 h 39 min
